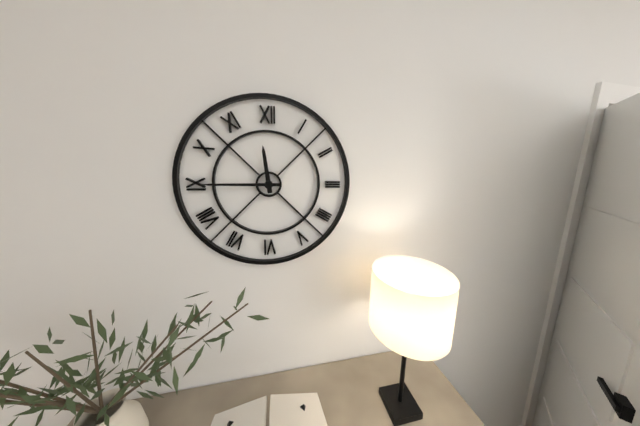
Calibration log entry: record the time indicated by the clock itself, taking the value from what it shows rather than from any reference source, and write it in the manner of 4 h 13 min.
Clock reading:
11 h 45 min
